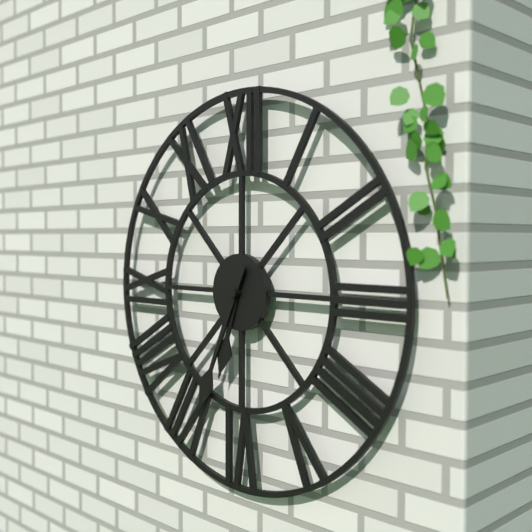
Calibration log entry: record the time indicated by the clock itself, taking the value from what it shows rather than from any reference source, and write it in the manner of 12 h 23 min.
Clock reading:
6 h 34 min
